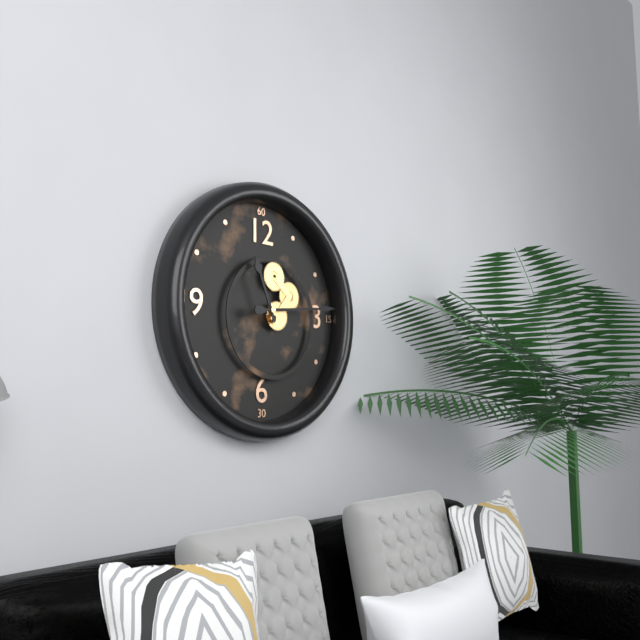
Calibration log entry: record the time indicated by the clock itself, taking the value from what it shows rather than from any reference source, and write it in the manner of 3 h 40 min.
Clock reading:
11 h 14 min
